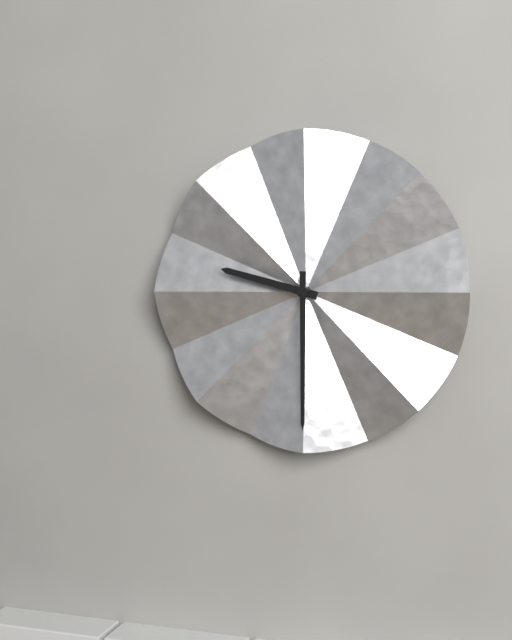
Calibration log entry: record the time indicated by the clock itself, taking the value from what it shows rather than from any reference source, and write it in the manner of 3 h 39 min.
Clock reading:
9 h 30 min
